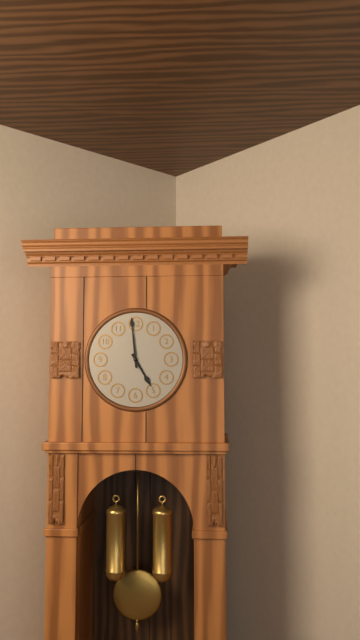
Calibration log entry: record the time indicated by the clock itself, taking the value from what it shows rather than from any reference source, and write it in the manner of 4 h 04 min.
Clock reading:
4 h 59 min
